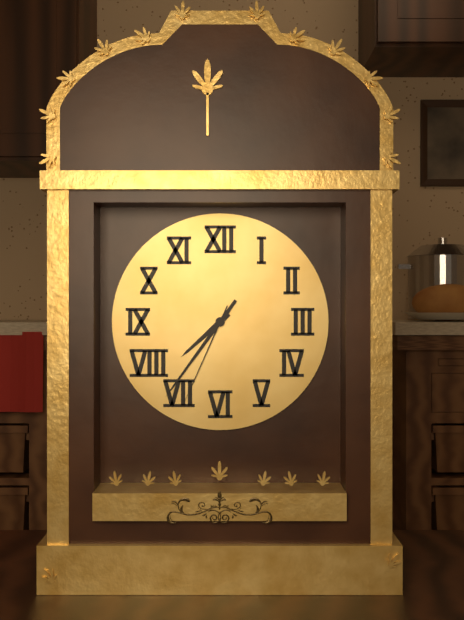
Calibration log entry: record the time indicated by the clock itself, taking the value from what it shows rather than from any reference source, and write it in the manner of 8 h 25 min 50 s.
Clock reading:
7 h 36 min 34 s
